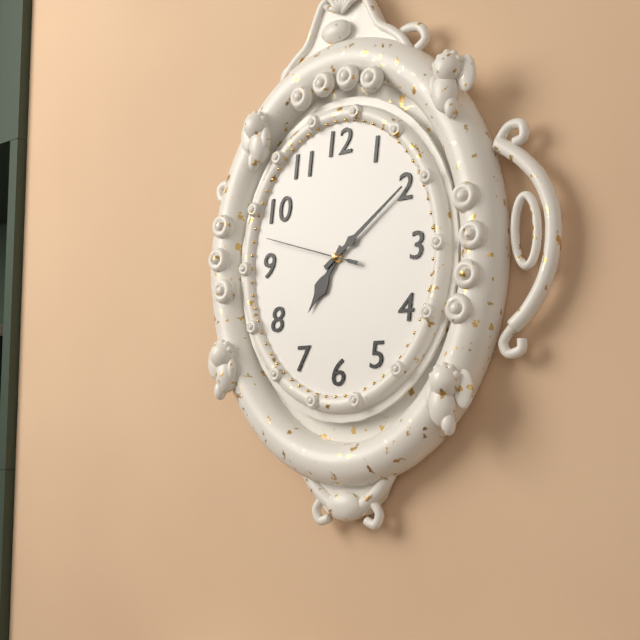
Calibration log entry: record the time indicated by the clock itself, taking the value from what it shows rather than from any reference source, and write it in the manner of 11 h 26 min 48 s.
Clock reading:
7 h 09 min 48 s
